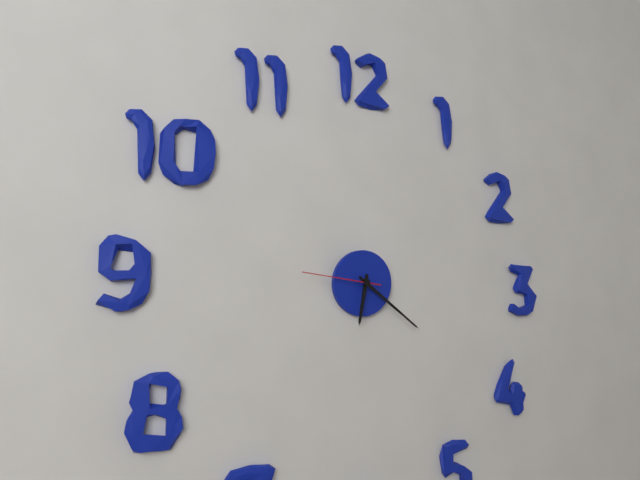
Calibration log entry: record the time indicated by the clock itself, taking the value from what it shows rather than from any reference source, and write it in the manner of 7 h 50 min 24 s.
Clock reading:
6 h 21 min 46 s
